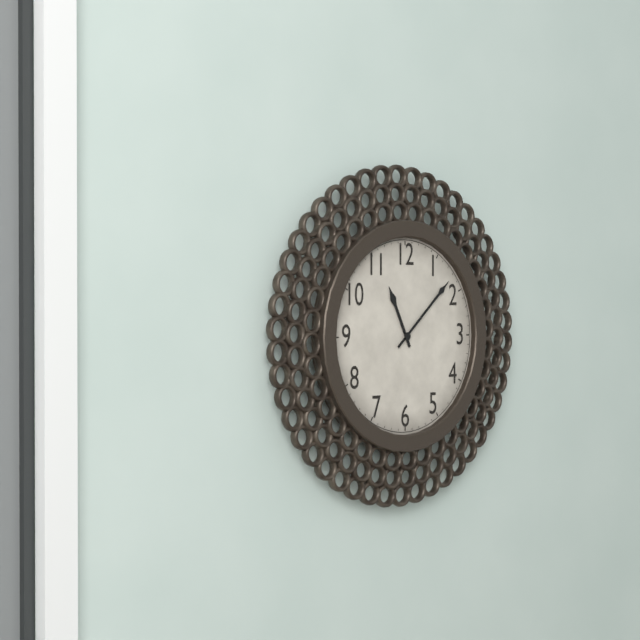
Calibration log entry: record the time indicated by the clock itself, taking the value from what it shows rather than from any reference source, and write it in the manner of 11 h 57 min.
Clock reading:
11 h 08 min
